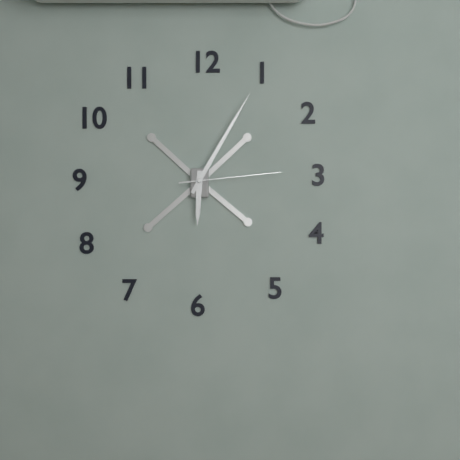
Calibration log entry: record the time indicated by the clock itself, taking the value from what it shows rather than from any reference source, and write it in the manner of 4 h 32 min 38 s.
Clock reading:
6 h 05 min 14 s
